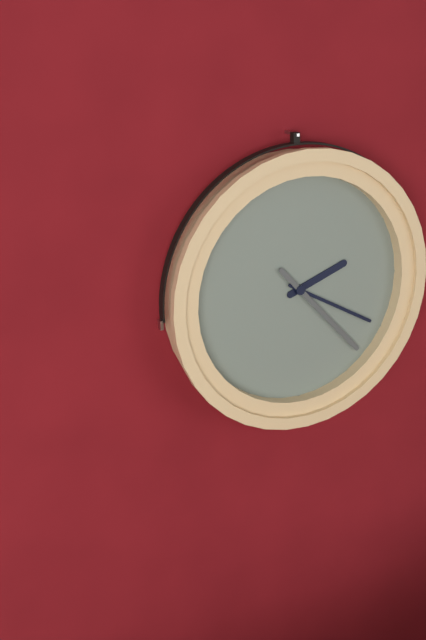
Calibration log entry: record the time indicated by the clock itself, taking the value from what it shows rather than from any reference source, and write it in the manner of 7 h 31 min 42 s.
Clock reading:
2 h 20 min 23 s
